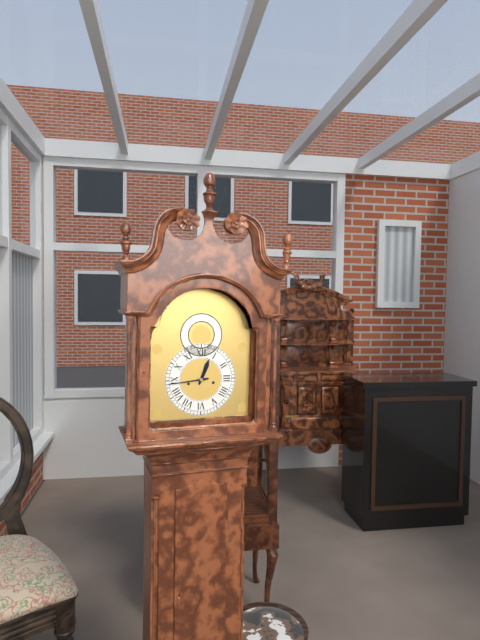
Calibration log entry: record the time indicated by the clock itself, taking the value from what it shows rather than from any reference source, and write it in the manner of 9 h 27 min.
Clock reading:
12 h 44 min
